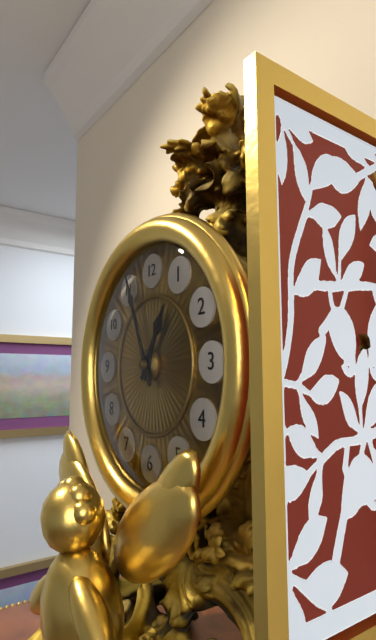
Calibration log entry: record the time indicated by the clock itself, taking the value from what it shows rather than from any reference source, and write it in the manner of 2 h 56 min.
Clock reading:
12 h 56 min
